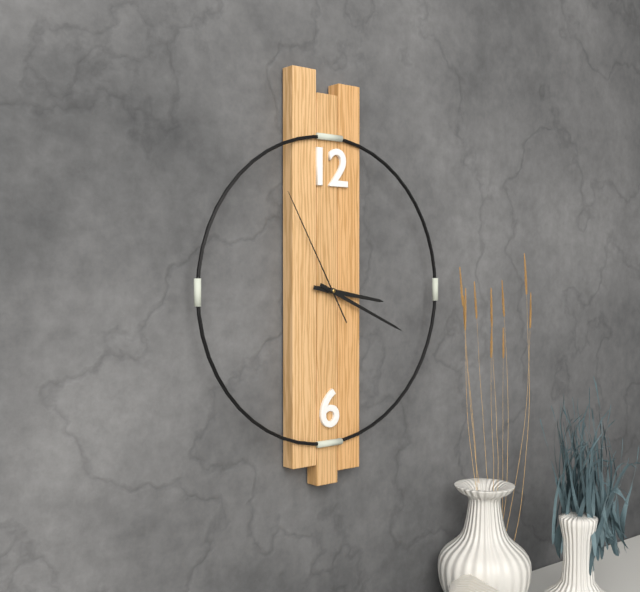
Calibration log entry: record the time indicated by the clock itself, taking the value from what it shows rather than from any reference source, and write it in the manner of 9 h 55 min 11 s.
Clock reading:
3 h 19 min 55 s
